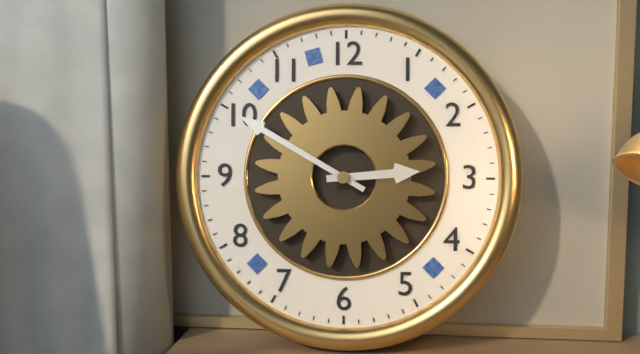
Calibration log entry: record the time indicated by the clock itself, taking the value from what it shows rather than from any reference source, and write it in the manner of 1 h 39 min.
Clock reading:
2 h 50 min
